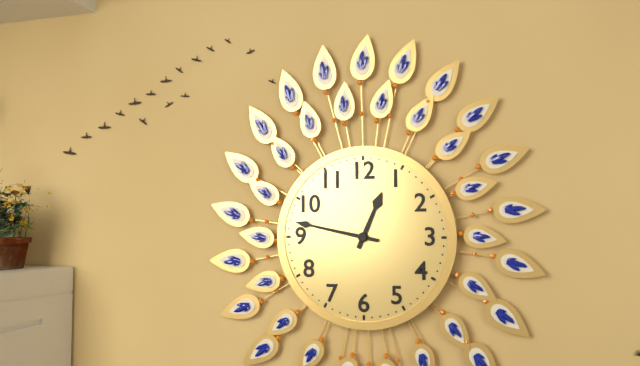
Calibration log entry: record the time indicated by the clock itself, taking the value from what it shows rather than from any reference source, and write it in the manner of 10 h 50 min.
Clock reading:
12 h 47 min
